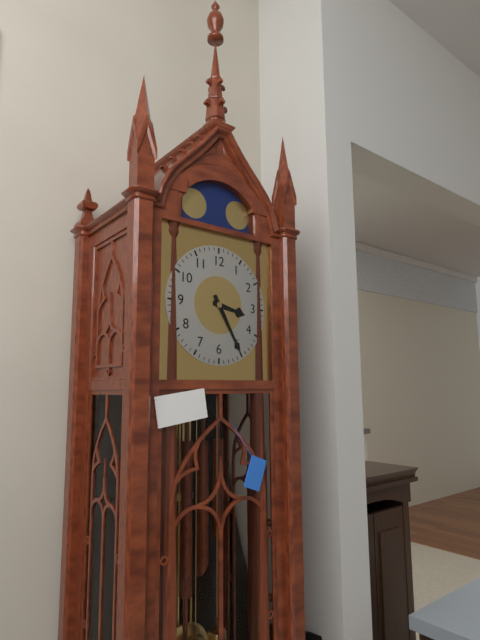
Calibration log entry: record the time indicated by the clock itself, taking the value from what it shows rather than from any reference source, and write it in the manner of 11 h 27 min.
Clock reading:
3 h 25 min
